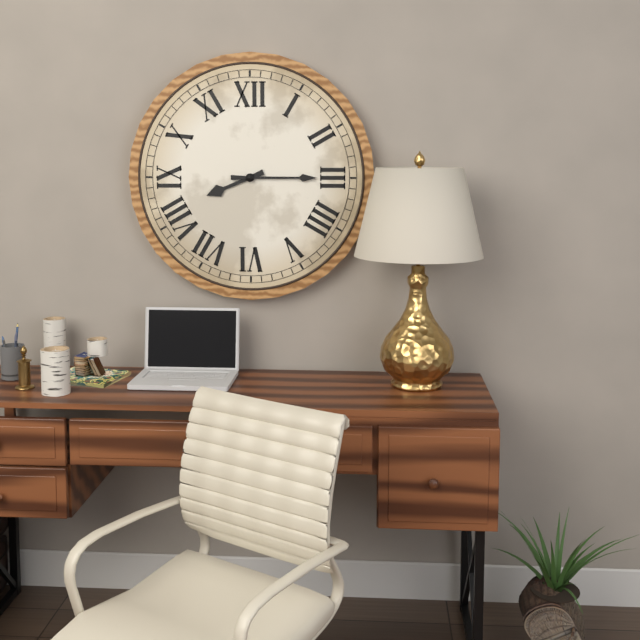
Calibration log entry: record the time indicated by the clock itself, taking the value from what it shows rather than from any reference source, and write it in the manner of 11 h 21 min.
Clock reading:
8 h 15 min
